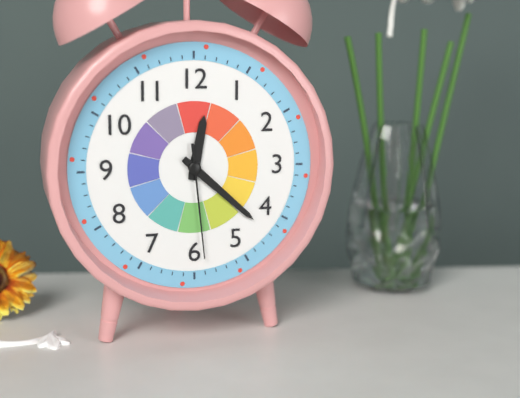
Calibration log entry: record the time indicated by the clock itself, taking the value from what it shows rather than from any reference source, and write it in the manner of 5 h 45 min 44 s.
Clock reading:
12 h 22 min 29 s
